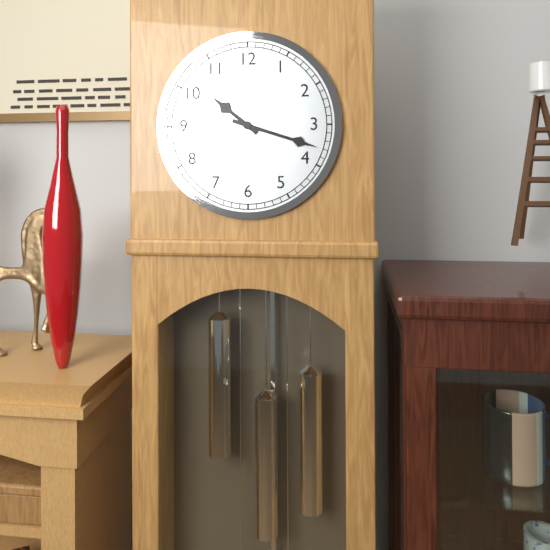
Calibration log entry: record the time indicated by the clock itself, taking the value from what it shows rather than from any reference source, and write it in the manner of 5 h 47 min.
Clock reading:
10 h 18 min
